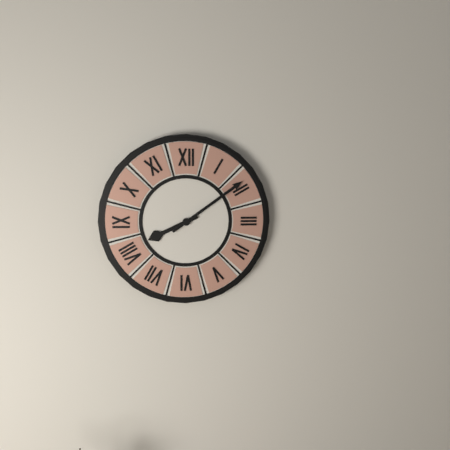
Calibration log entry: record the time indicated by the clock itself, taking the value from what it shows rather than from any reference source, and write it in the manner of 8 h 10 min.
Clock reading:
8 h 09 min
